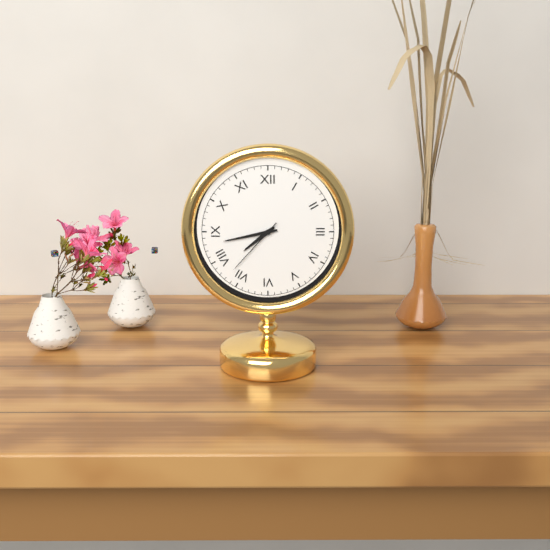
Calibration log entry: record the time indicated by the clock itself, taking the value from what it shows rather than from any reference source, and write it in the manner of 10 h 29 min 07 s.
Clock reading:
7 h 43 min 37 s
